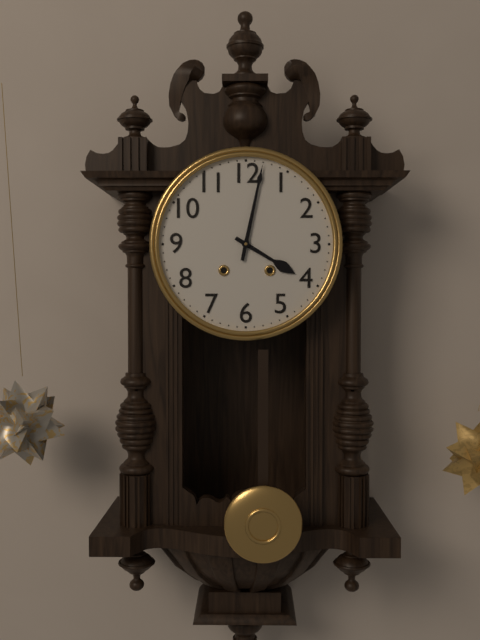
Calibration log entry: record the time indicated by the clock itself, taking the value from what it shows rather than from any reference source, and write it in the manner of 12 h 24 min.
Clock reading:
4 h 02 min
